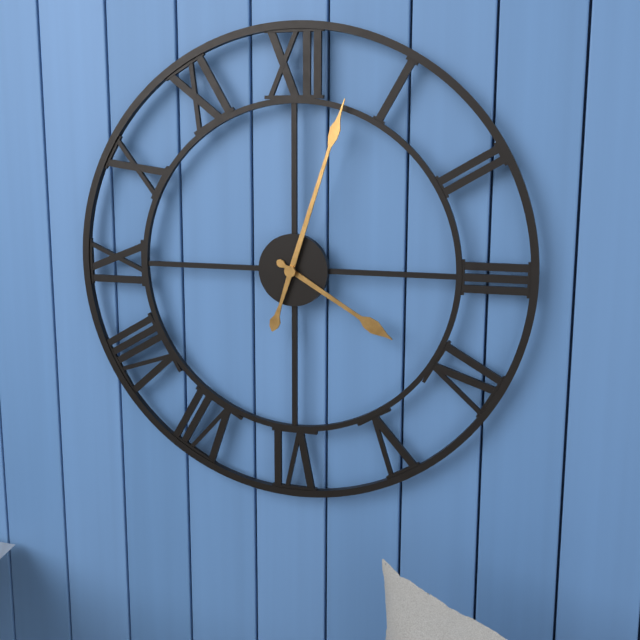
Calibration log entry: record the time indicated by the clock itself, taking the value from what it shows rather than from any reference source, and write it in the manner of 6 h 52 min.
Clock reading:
4 h 03 min
